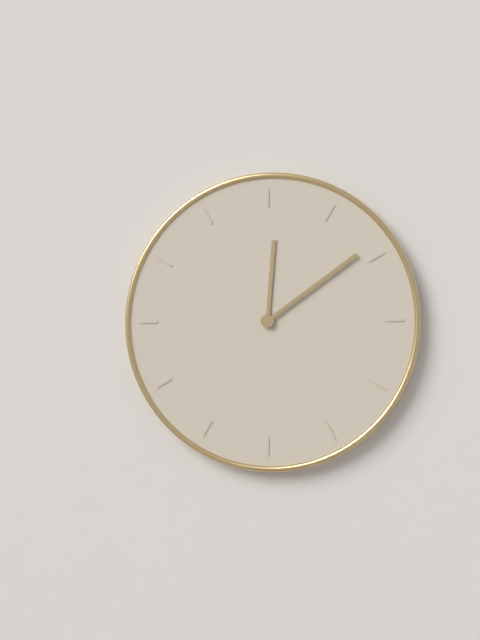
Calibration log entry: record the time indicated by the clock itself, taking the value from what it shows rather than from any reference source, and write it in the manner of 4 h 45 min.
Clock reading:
12 h 09 min
